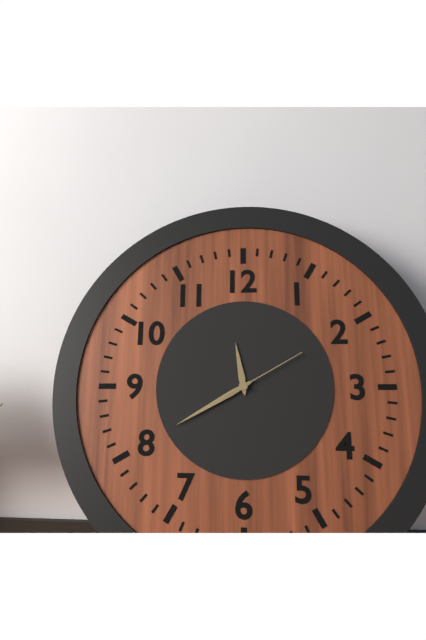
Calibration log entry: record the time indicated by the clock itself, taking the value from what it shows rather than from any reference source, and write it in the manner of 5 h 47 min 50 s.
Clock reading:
11 h 40 min 10 s
